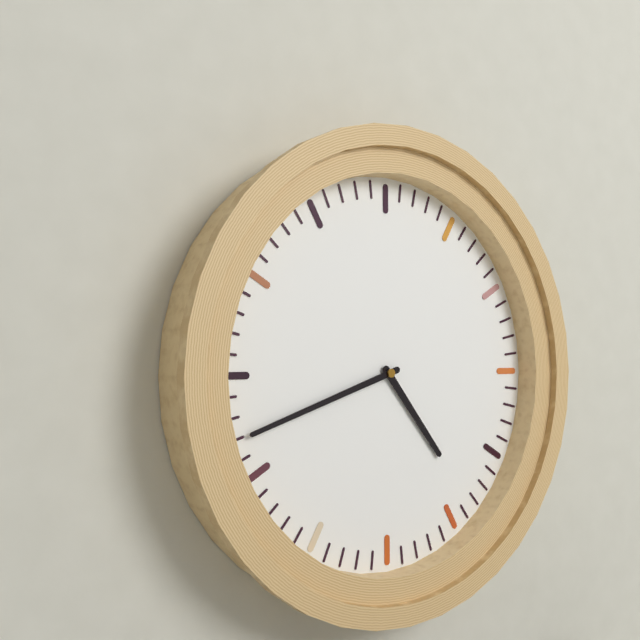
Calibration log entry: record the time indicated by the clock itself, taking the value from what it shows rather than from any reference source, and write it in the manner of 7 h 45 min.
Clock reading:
4 h 42 min
